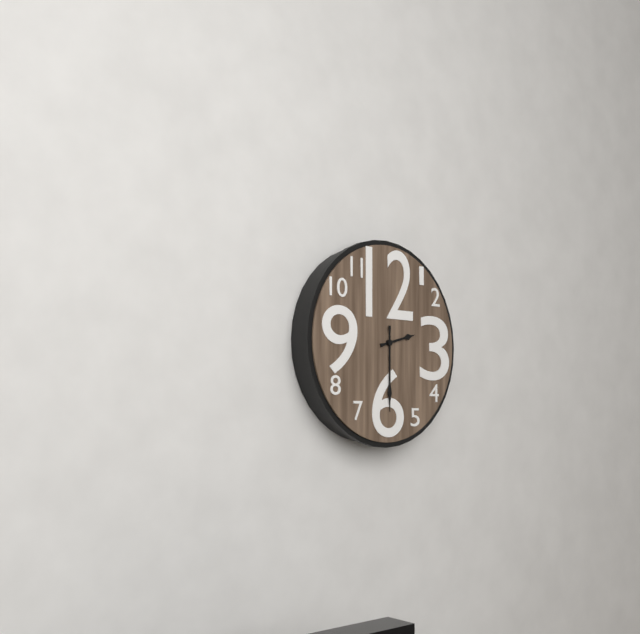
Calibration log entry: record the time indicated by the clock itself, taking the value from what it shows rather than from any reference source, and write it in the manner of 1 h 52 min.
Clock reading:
2 h 30 min
